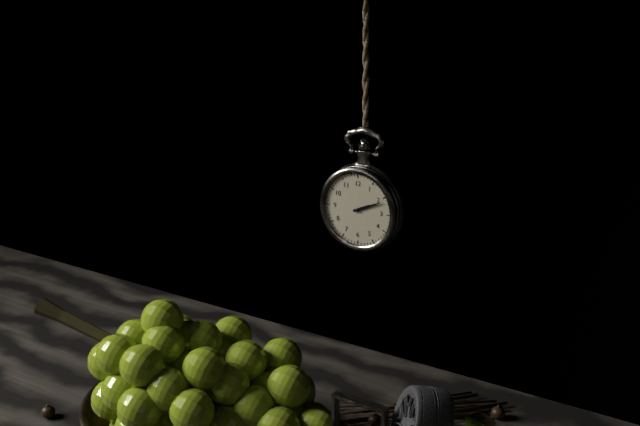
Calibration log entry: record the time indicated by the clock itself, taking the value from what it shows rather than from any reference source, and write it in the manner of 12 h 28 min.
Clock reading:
2 h 11 min
